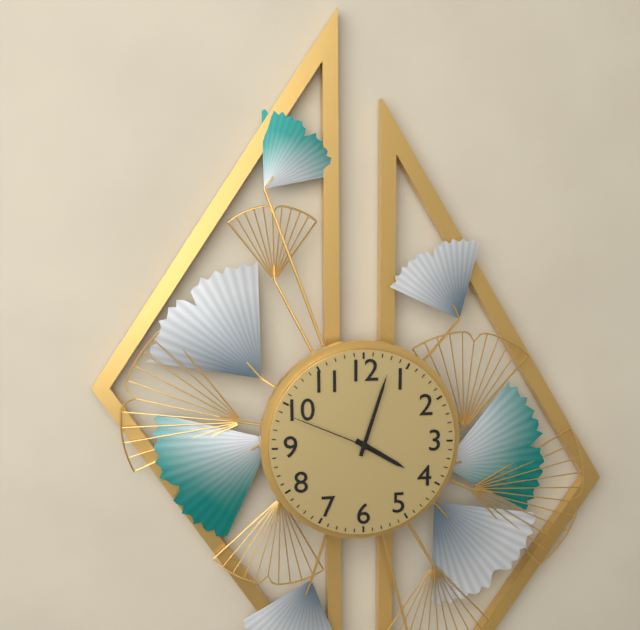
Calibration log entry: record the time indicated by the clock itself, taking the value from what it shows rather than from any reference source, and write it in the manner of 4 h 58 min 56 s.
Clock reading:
4 h 03 min 49 s
